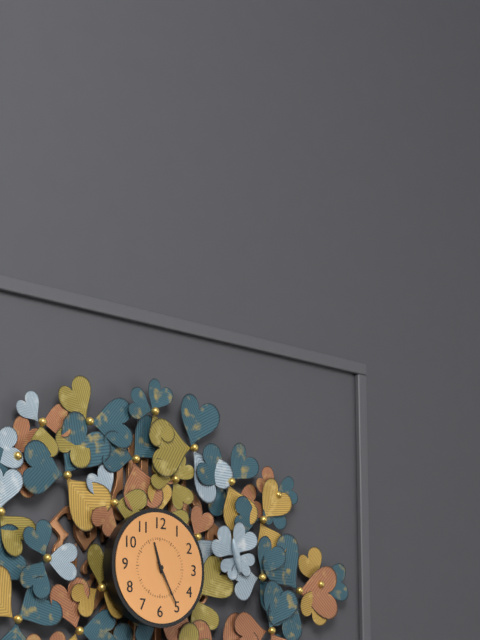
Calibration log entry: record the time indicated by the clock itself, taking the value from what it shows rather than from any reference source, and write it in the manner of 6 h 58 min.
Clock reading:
11 h 25 min
